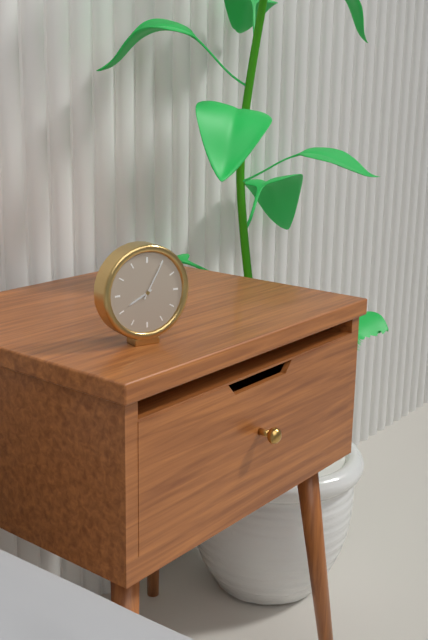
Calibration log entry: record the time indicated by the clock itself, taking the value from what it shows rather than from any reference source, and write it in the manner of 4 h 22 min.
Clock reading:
8 h 05 min
